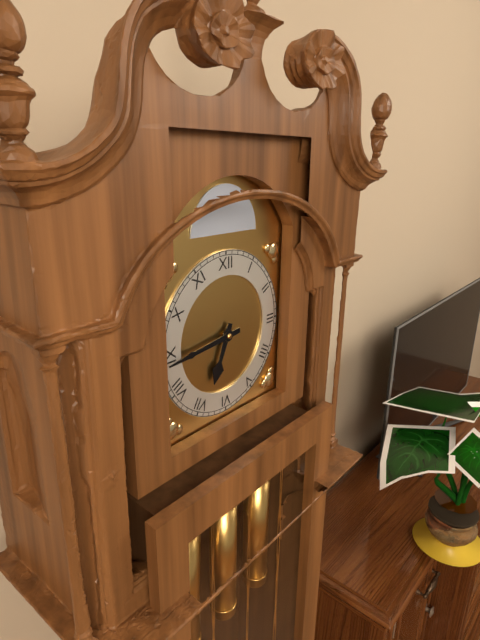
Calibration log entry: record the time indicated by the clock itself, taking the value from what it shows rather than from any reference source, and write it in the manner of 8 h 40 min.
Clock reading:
6 h 44 min
